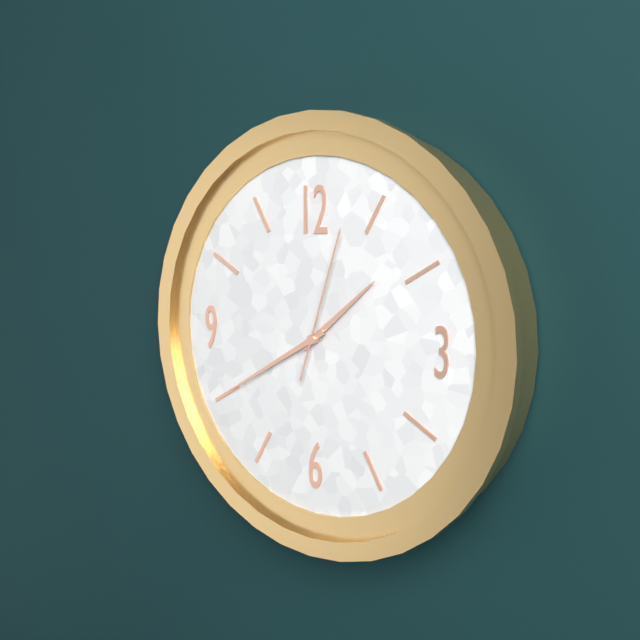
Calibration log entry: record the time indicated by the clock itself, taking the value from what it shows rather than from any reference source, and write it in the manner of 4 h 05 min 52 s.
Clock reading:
1 h 40 min 03 s
